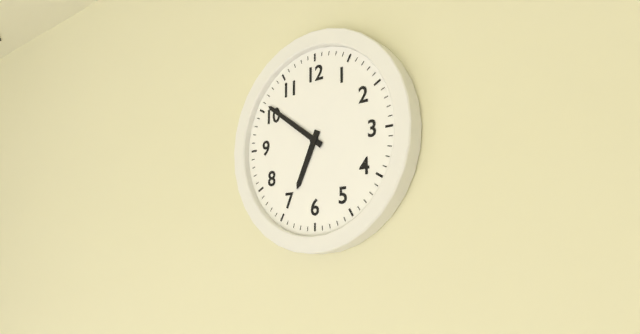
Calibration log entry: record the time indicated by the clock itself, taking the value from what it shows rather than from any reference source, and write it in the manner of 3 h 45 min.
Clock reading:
6 h 51 min
